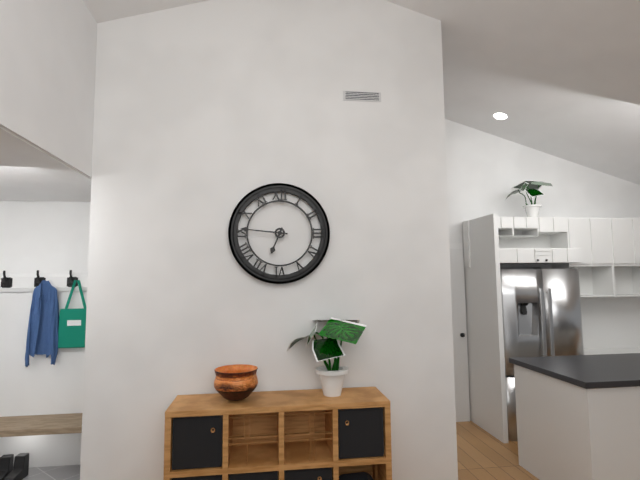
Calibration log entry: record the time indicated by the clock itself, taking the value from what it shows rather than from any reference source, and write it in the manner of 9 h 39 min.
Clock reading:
6 h 46 min
